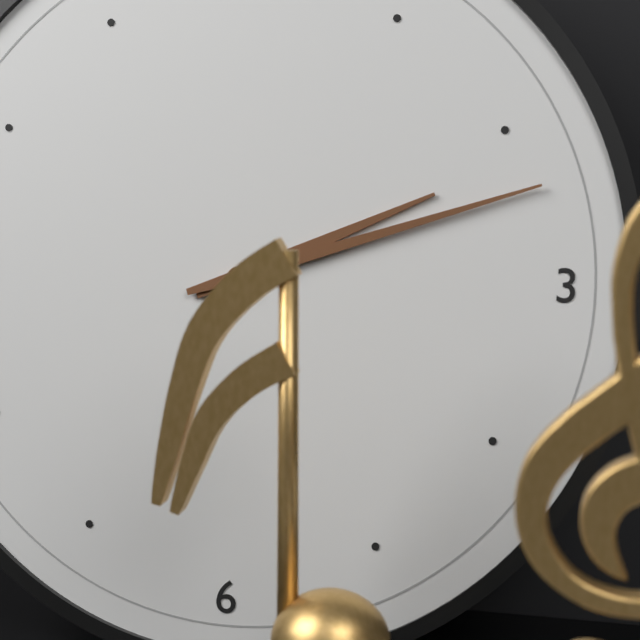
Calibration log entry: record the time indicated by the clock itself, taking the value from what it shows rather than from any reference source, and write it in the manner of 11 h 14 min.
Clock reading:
2 h 12 min
